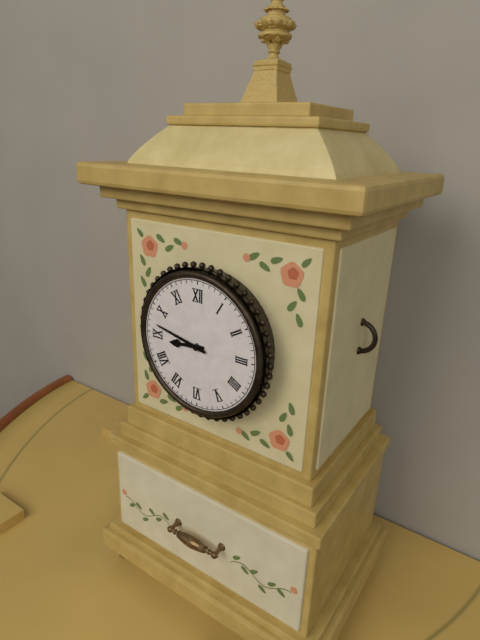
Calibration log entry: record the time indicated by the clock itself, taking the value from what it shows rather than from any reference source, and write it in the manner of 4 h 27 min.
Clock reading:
8 h 47 min
